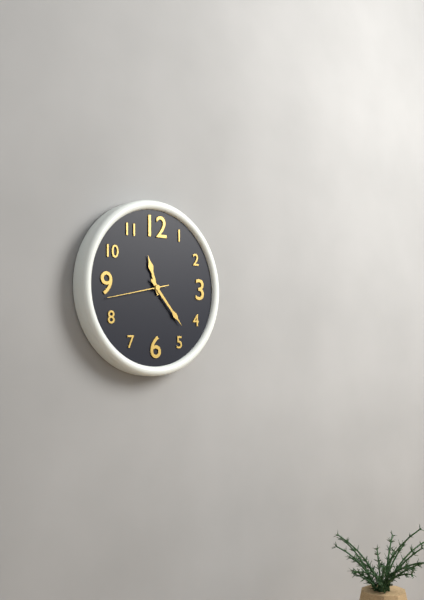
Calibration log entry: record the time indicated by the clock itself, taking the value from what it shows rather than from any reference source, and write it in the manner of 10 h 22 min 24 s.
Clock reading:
11 h 23 min 43 s
